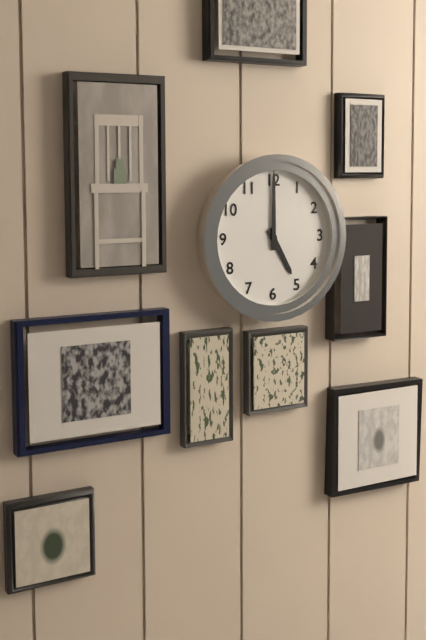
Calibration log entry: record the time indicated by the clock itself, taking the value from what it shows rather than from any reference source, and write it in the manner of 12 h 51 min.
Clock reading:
5 h 00 min
